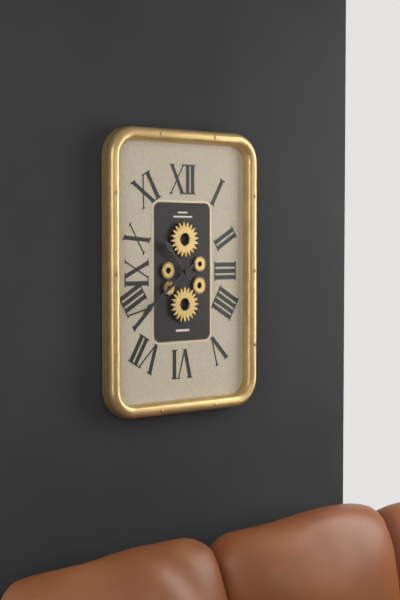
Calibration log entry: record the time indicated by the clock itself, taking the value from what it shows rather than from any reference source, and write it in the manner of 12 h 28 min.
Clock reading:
10 h 39 min
